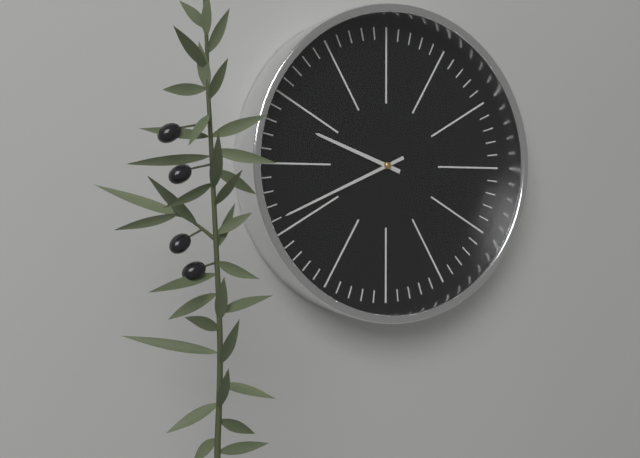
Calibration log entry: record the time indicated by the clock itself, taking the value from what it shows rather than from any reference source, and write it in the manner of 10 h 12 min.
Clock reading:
9 h 41 min
